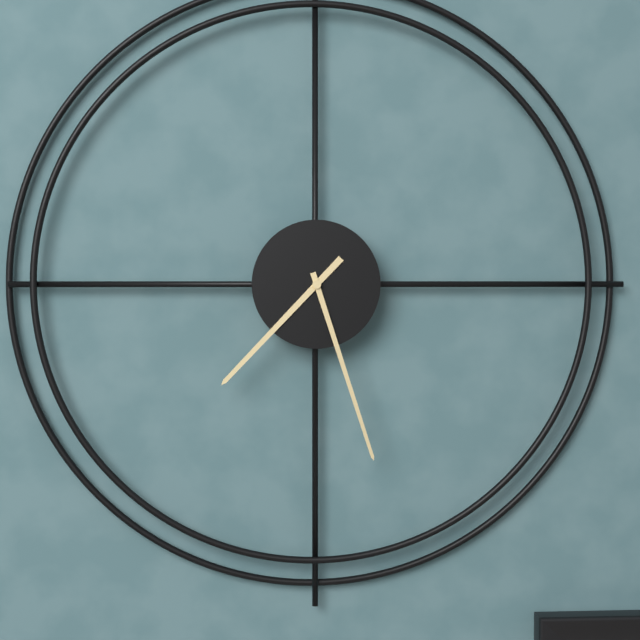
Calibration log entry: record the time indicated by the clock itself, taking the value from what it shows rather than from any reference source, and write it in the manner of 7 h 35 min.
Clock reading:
7 h 27 min
